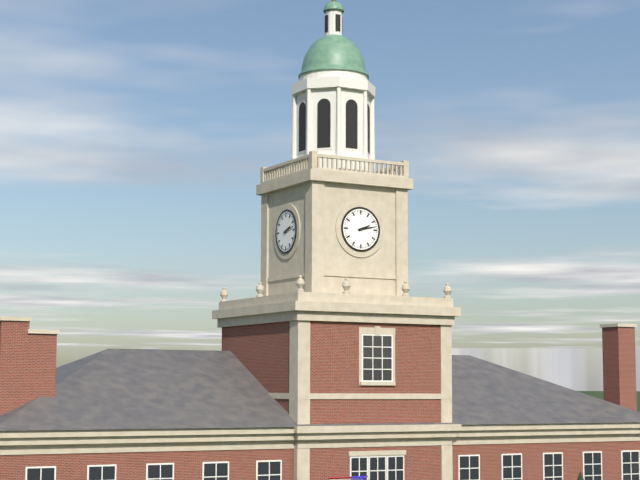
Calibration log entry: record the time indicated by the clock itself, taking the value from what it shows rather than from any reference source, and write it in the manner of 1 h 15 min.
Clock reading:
2 h 13 min
